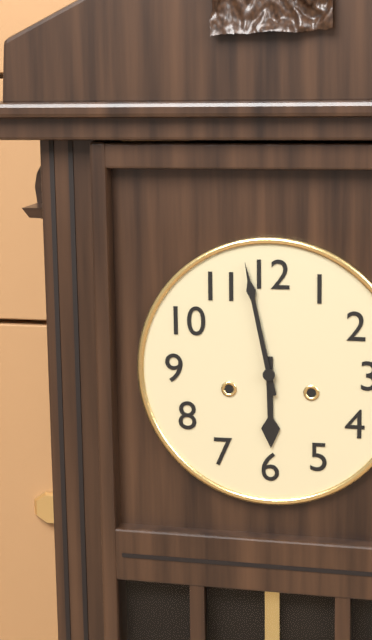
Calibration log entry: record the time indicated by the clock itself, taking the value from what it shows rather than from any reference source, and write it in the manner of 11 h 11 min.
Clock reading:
5 h 58 min
